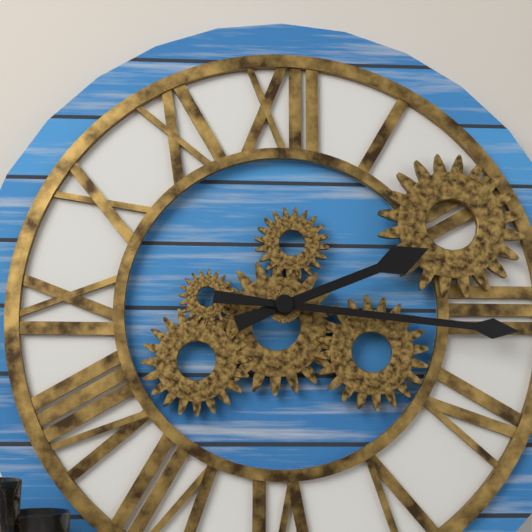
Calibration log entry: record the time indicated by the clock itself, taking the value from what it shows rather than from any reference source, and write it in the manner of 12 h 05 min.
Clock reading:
2 h 16 min
